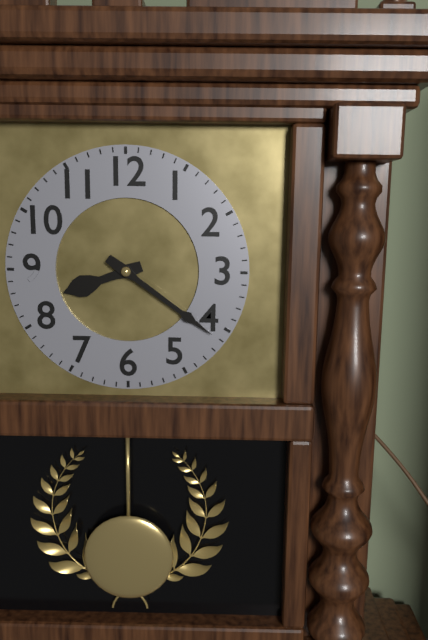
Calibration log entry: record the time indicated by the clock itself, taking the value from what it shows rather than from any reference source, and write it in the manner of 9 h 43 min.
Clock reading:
8 h 21 min
